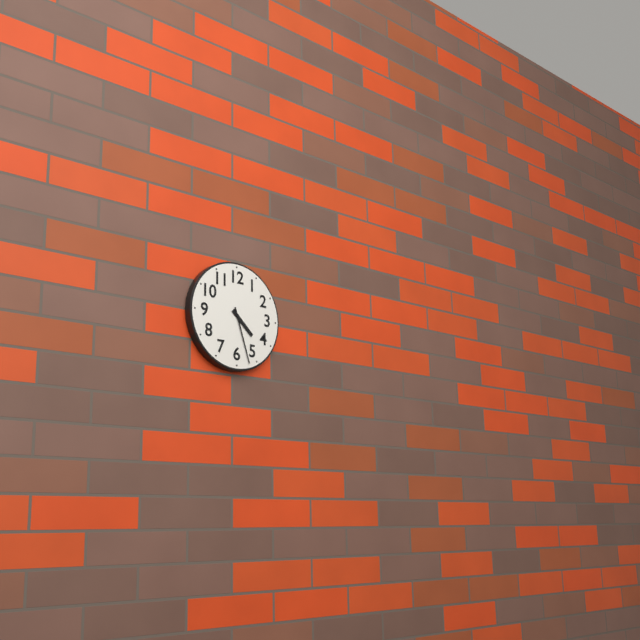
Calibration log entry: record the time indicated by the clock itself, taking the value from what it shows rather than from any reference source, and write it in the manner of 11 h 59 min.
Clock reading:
4 h 27 min
